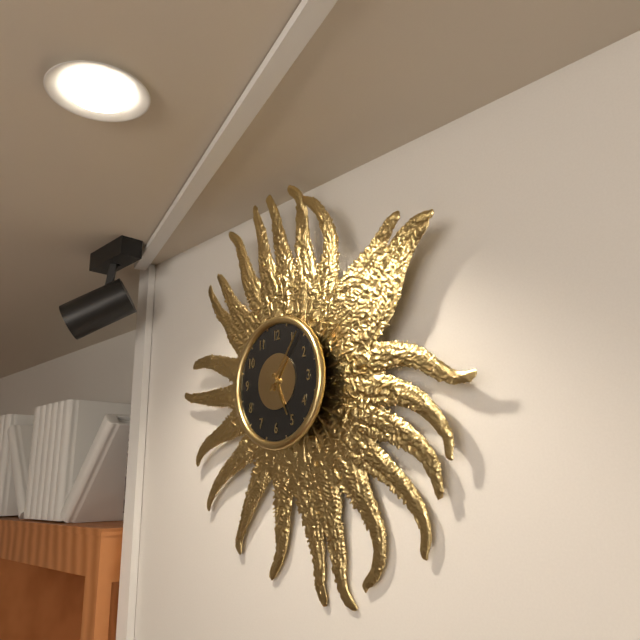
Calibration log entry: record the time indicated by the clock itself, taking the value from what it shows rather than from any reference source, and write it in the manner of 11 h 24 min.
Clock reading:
5 h 06 min
